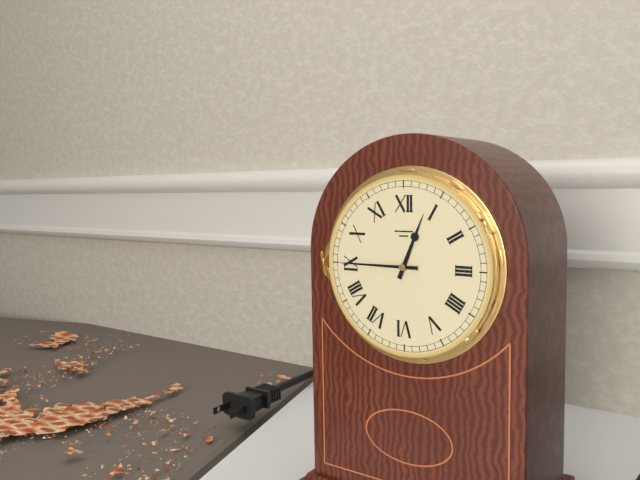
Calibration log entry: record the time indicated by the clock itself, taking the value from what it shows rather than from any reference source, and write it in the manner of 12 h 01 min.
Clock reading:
12 h 45 min
